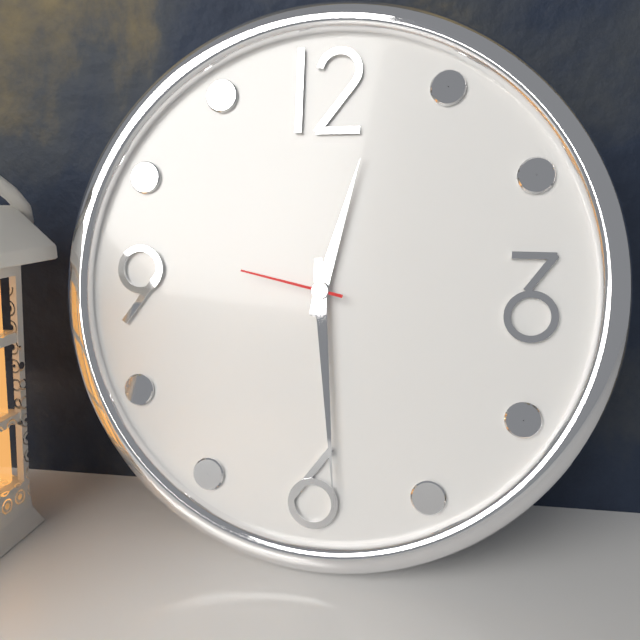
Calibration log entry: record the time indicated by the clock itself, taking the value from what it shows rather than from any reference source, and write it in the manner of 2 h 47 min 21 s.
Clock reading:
12 h 29 min 47 s
